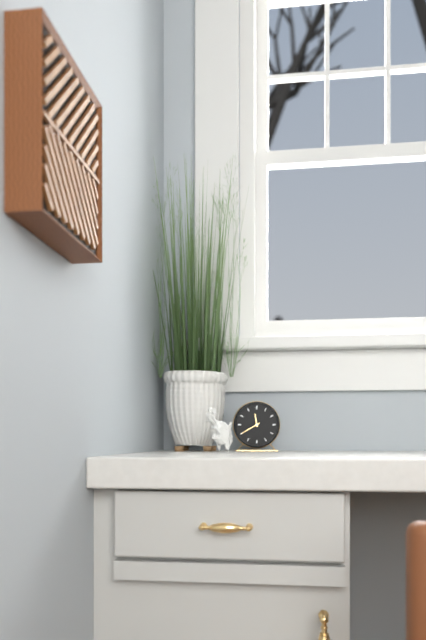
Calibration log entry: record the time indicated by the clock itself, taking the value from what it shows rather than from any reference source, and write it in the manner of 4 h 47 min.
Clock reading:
11 h 40 min
